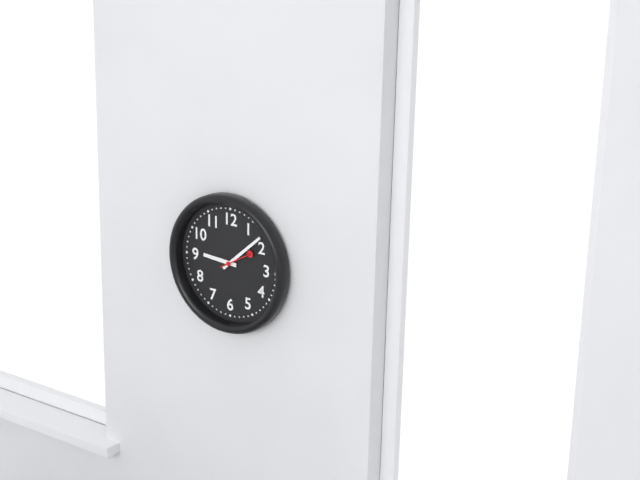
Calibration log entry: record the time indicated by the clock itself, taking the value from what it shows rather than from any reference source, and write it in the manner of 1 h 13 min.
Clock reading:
9 h 08 min
